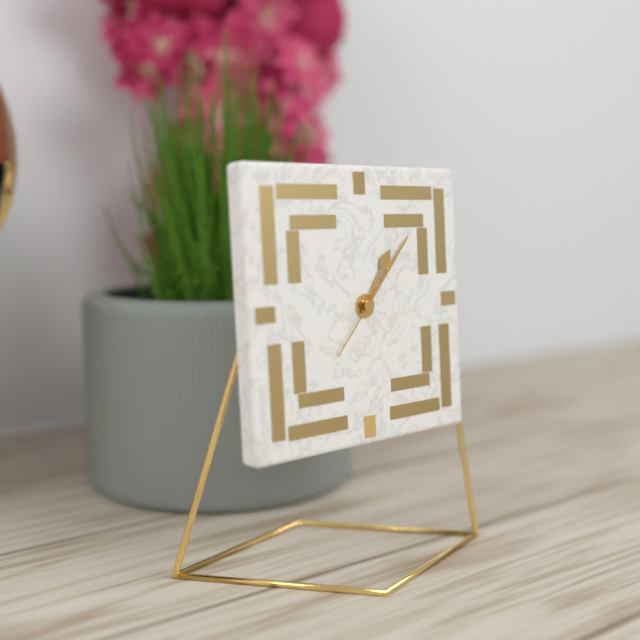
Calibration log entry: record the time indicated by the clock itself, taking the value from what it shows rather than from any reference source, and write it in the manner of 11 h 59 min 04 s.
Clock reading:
1 h 07 min 37 s
